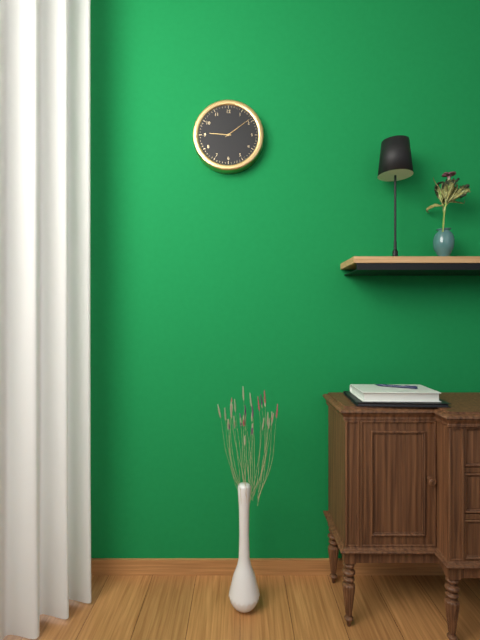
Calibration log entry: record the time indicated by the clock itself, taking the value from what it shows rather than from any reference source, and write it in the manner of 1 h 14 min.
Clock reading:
9 h 09 min
